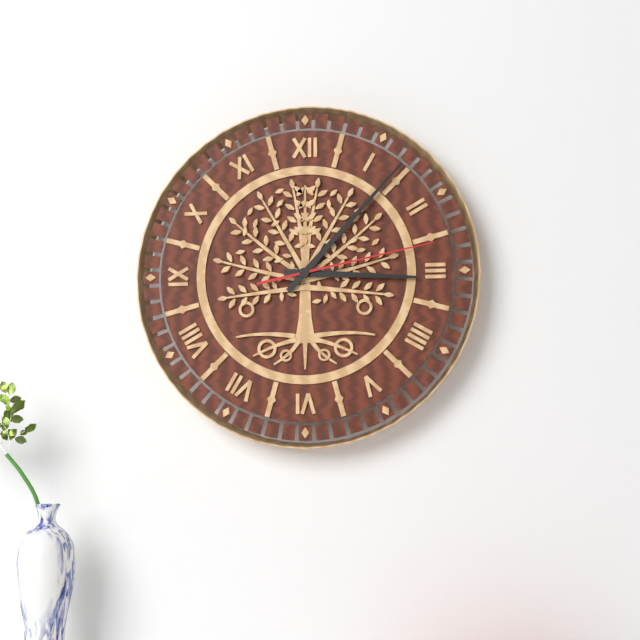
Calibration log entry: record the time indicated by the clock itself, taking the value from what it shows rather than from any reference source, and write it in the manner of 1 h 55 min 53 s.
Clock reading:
3 h 07 min 13 s
